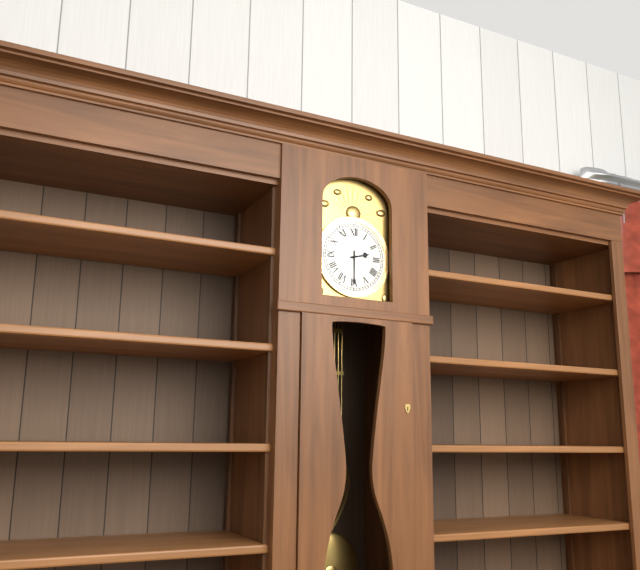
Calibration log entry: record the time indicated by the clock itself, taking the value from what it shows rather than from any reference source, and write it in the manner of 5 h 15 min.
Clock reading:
2 h 30 min
